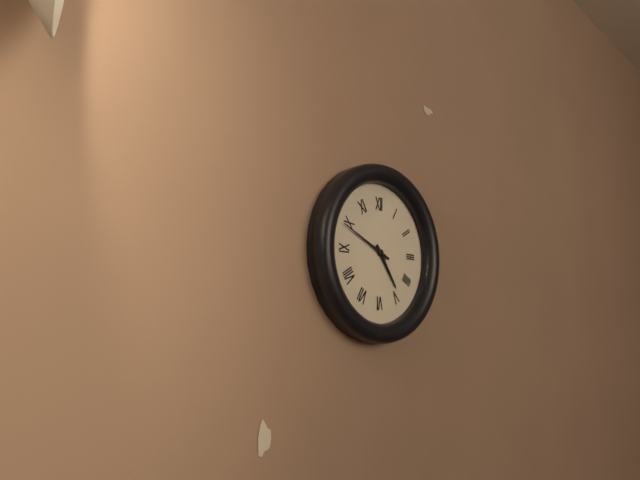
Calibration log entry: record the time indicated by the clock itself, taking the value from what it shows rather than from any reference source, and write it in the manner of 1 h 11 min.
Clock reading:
4 h 49 min
